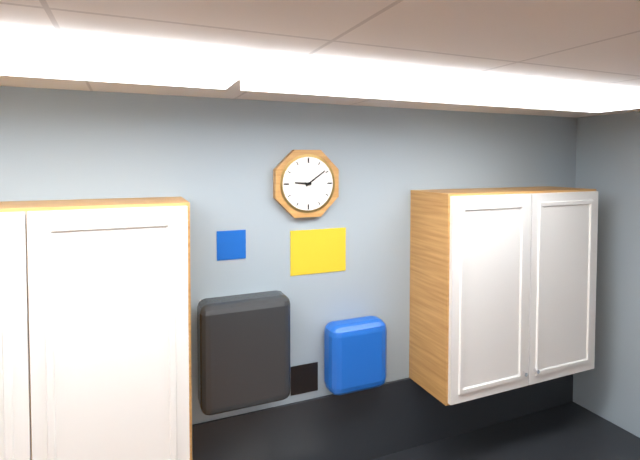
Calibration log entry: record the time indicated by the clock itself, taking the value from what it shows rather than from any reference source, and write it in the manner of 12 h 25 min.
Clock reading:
9 h 09 min
